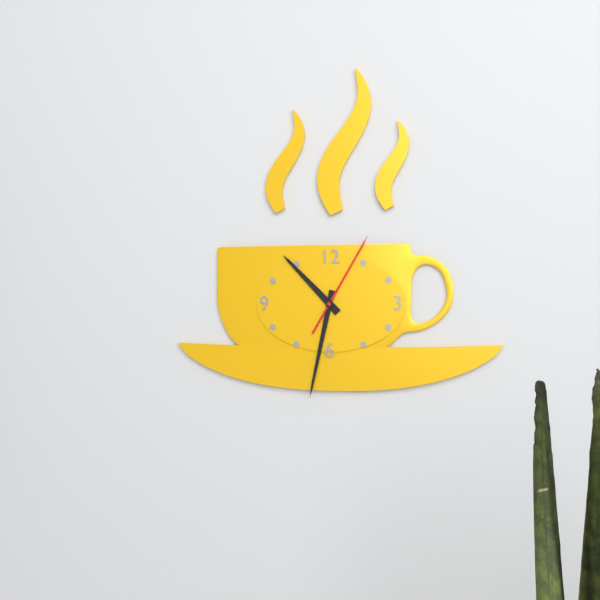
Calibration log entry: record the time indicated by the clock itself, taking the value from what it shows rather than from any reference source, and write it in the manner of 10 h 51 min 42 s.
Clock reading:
10 h 32 min 05 s
